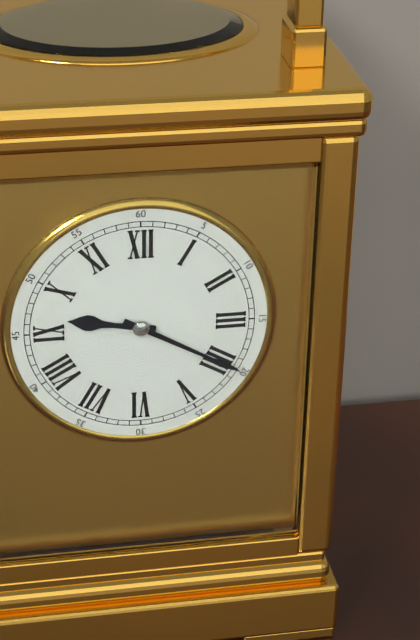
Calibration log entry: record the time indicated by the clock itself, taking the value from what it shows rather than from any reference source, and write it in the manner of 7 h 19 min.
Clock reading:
9 h 20 min
